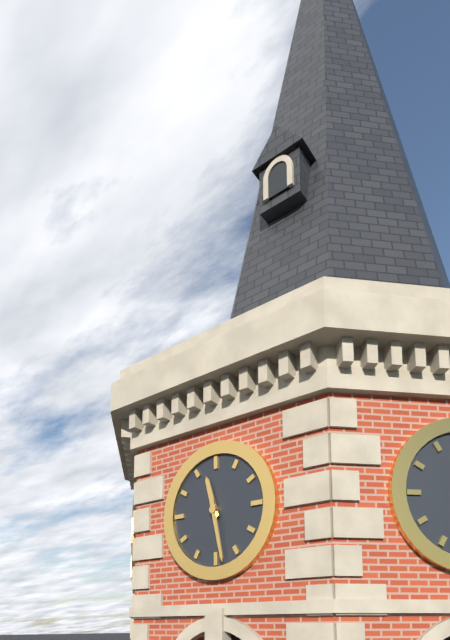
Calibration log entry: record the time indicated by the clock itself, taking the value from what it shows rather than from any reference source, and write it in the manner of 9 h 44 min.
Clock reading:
11 h 28 min
